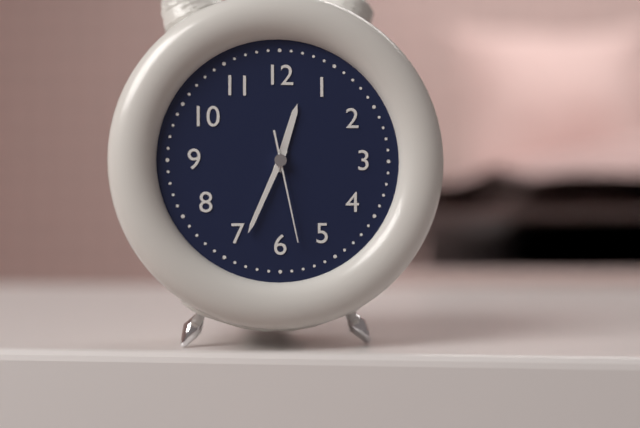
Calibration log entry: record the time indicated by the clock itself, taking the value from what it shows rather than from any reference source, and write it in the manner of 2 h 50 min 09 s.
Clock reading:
12 h 34 min 28 s
